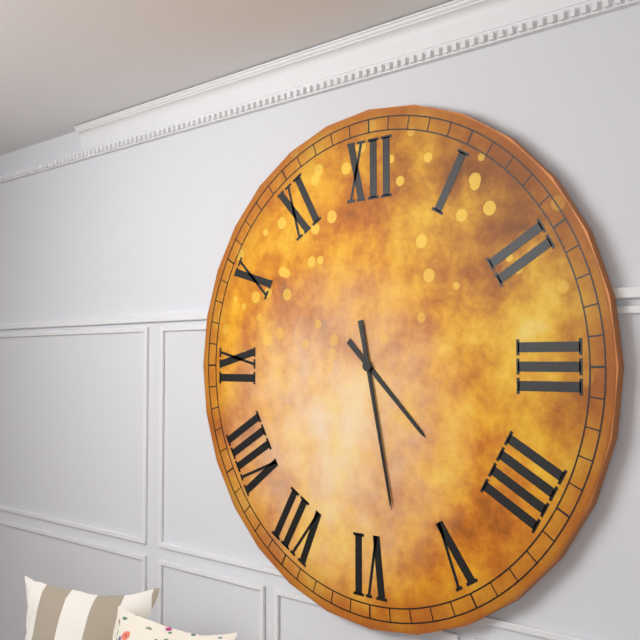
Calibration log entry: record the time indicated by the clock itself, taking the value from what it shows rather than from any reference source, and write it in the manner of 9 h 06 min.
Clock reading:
4 h 28 min
